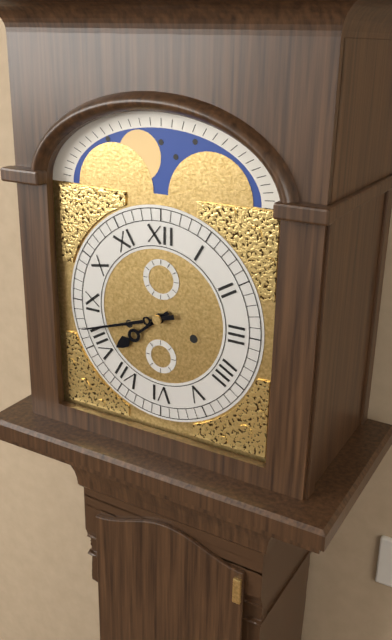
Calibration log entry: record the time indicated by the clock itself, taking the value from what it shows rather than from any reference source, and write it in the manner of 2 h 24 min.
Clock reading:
7 h 42 min
